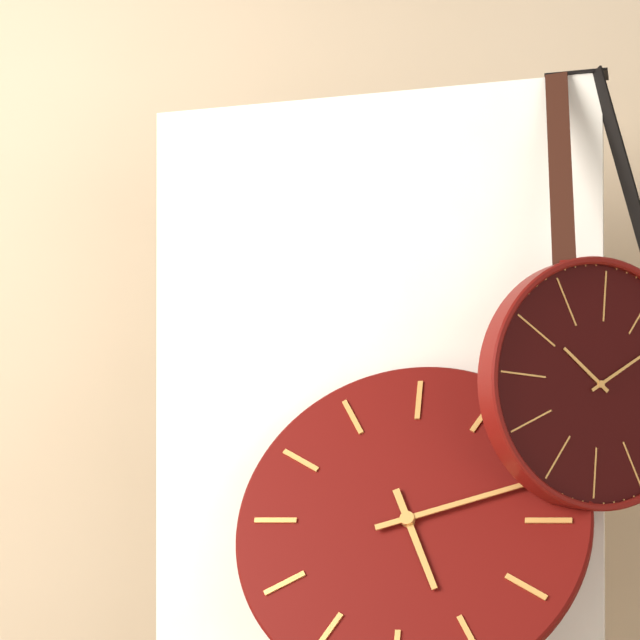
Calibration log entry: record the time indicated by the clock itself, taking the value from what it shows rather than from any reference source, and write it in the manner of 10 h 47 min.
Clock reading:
5 h 12 min
